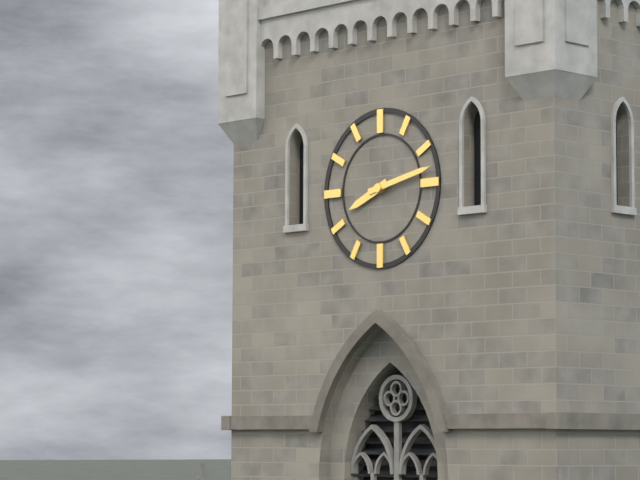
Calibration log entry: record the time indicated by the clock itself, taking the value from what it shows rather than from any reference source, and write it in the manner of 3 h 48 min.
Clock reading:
8 h 13 min
